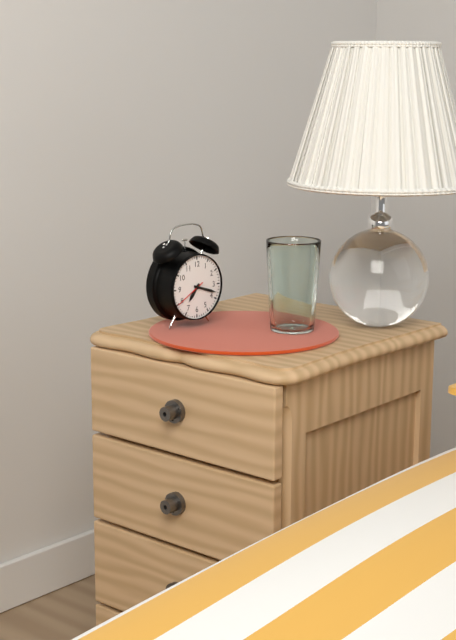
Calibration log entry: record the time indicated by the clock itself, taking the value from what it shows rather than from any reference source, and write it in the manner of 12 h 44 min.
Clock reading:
7 h 18 min
